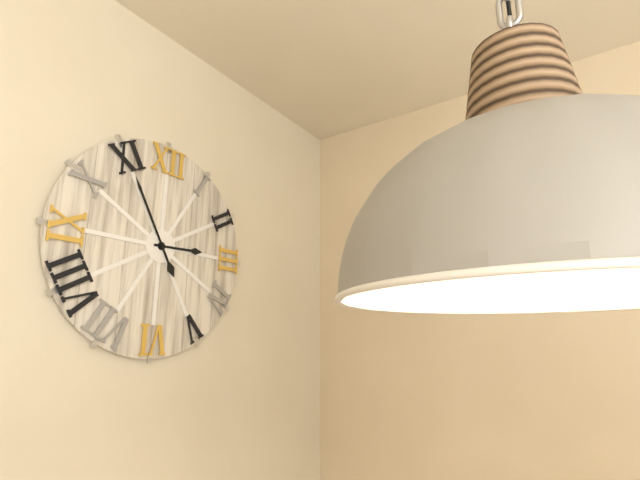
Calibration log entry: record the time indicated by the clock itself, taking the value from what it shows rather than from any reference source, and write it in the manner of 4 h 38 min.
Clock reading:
2 h 55 min
